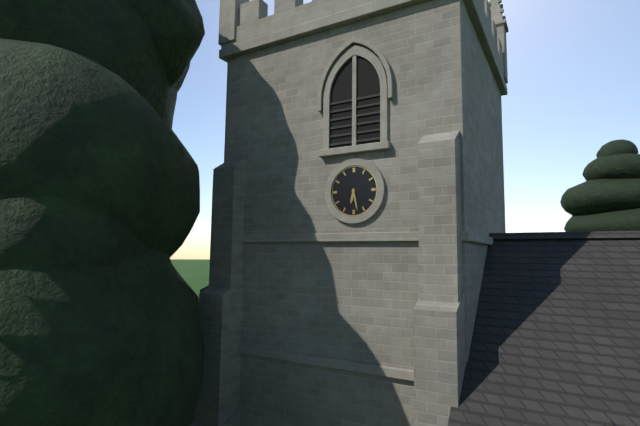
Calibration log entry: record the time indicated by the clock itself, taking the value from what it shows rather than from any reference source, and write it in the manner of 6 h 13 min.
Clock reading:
6 h 28 min
